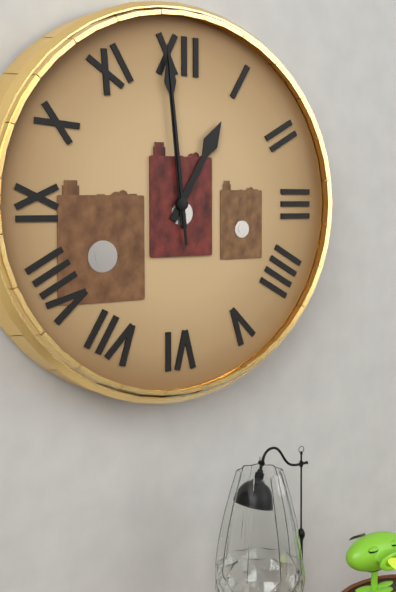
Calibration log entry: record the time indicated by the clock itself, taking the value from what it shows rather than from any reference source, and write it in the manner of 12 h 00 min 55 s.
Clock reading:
12 h 59 min 59 s
